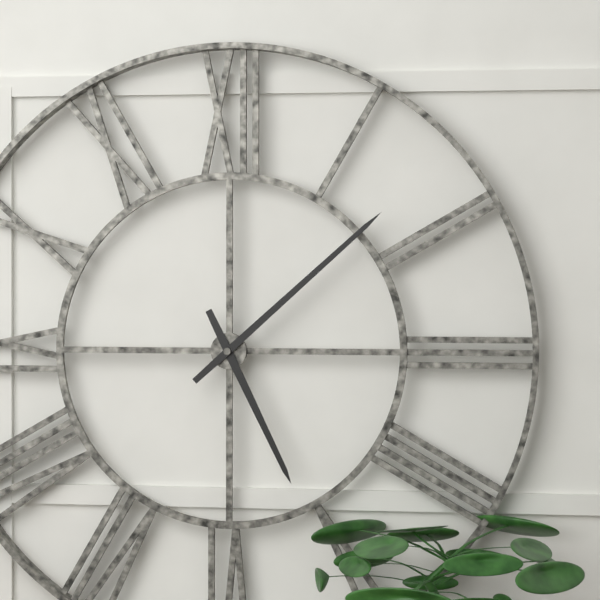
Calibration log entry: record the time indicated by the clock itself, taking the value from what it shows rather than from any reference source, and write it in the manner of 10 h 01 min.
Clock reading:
5 h 08 min
